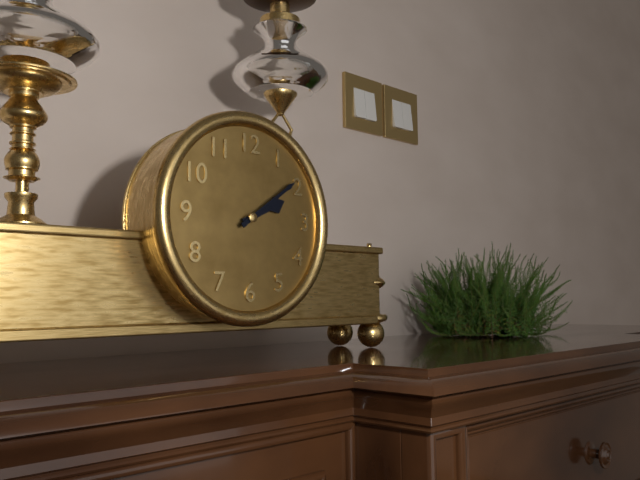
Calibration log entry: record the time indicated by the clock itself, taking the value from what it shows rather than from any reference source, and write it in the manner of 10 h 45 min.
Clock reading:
2 h 09 min
